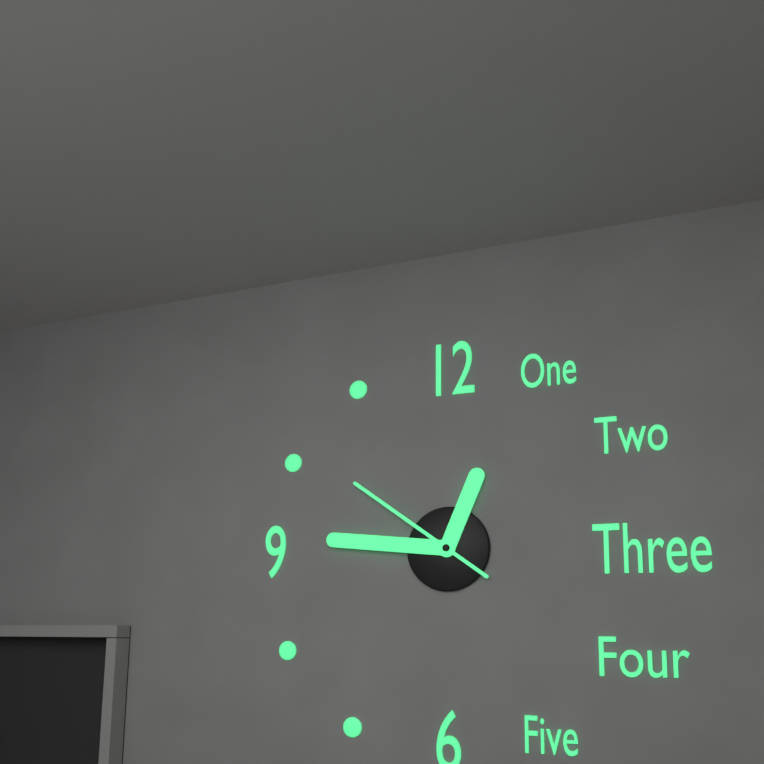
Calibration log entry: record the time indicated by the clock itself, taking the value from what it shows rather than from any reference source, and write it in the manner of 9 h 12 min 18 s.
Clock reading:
12 h 46 min 51 s
